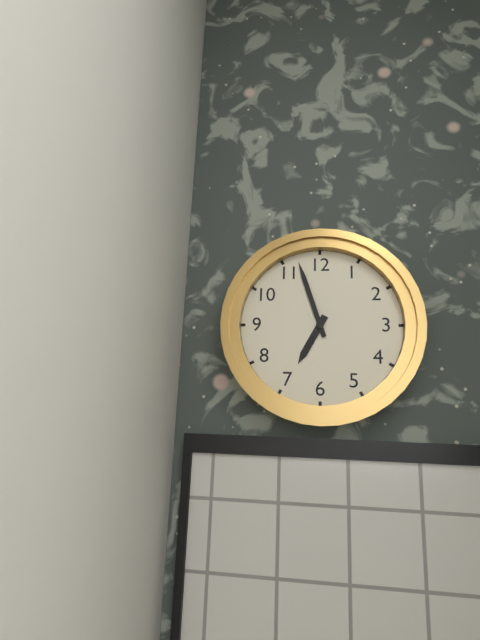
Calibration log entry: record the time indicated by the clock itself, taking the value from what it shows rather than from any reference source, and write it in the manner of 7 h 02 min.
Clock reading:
6 h 57 min
